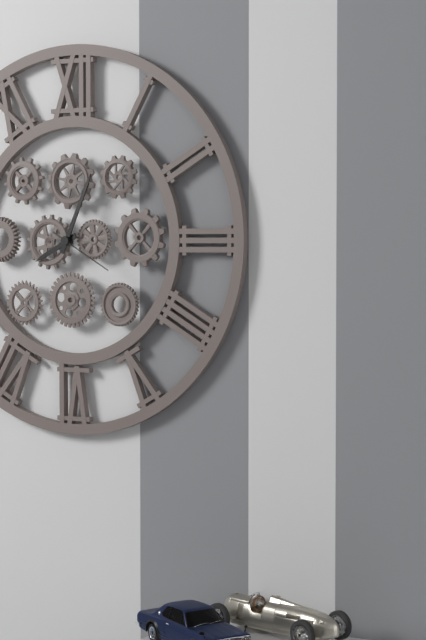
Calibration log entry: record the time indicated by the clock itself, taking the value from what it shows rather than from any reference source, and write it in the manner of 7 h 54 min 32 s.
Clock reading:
8 h 04 min 20 s
